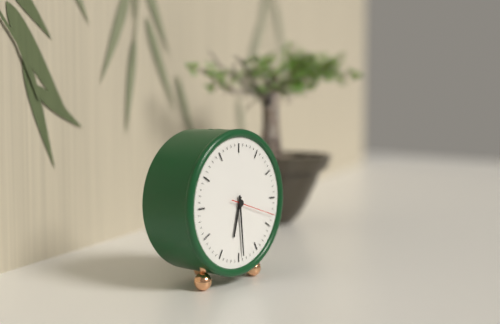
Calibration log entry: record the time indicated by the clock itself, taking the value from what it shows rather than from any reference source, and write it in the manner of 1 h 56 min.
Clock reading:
6 h 29 min
